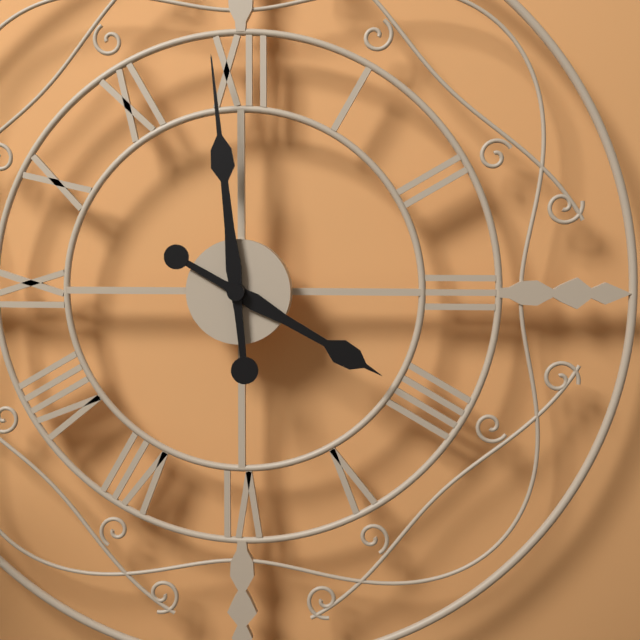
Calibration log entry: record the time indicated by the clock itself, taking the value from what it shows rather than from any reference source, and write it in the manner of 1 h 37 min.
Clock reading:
3 h 59 min
